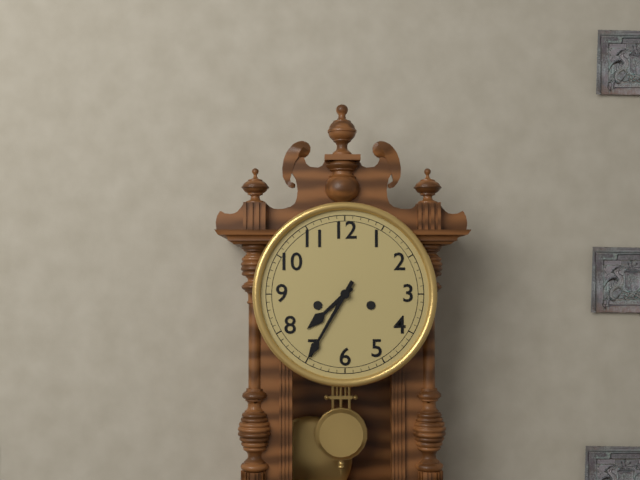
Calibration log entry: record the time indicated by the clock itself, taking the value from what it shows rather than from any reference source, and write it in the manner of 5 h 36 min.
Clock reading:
7 h 35 min
